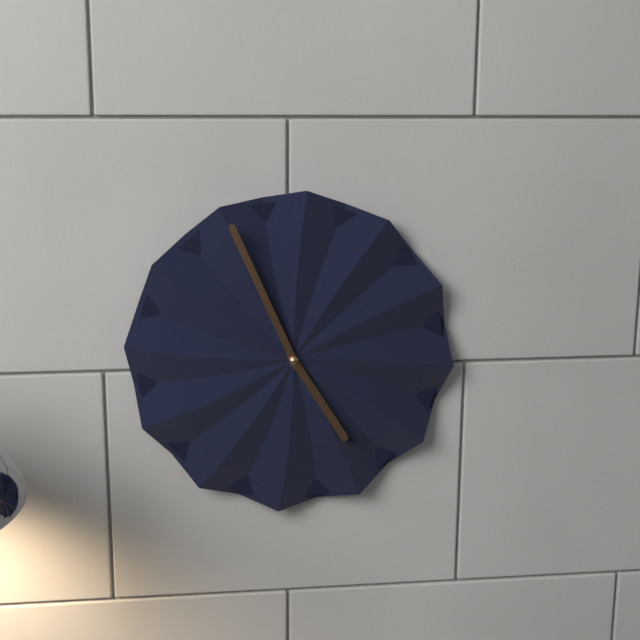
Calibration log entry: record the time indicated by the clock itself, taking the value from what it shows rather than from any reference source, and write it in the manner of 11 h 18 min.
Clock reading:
4 h 56 min
